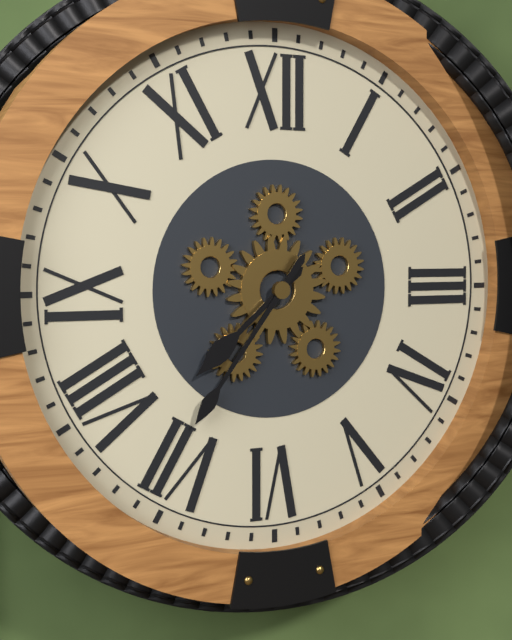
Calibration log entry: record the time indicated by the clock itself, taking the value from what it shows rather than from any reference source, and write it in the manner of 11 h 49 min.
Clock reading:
7 h 36 min
